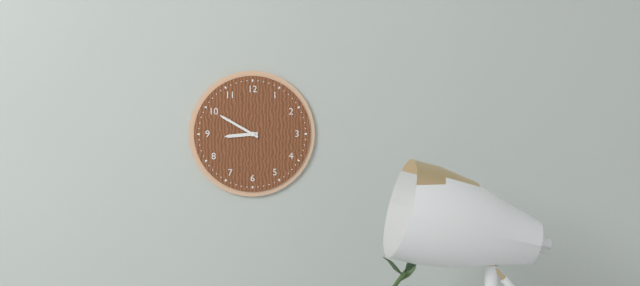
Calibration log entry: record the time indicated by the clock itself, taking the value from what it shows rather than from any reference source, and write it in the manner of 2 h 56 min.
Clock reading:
8 h 50 min
